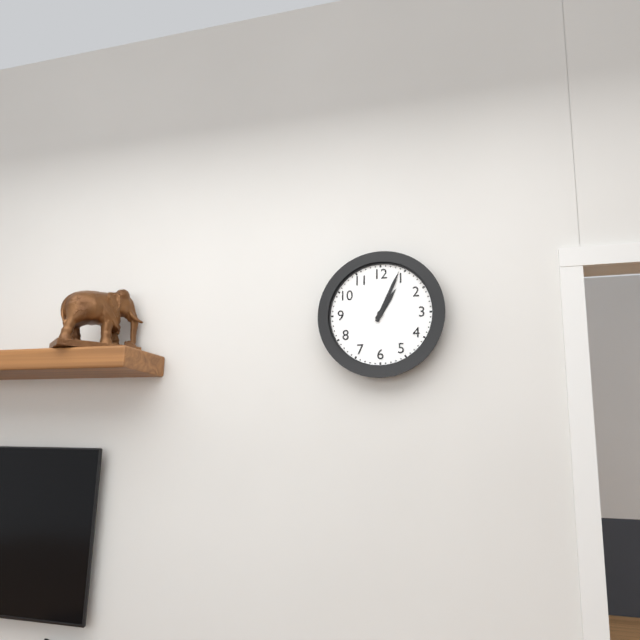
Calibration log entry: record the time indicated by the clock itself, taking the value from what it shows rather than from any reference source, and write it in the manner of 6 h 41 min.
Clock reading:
1 h 04 min
